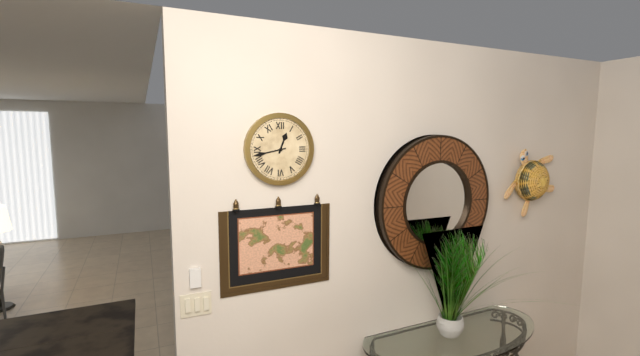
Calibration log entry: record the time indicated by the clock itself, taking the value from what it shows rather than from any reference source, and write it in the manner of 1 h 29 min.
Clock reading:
12 h 43 min
